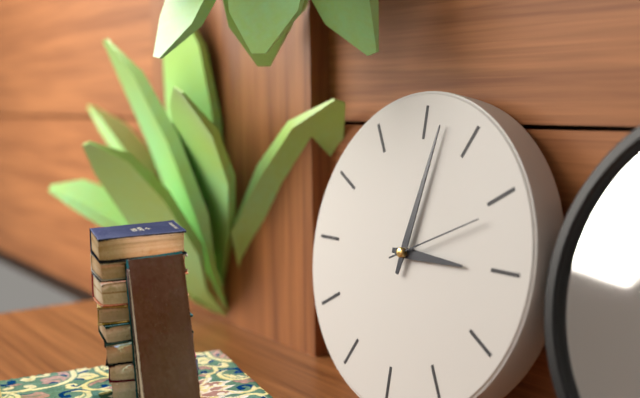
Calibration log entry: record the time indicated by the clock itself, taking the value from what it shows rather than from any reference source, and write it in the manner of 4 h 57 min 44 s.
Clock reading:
3 h 02 min 11 s
